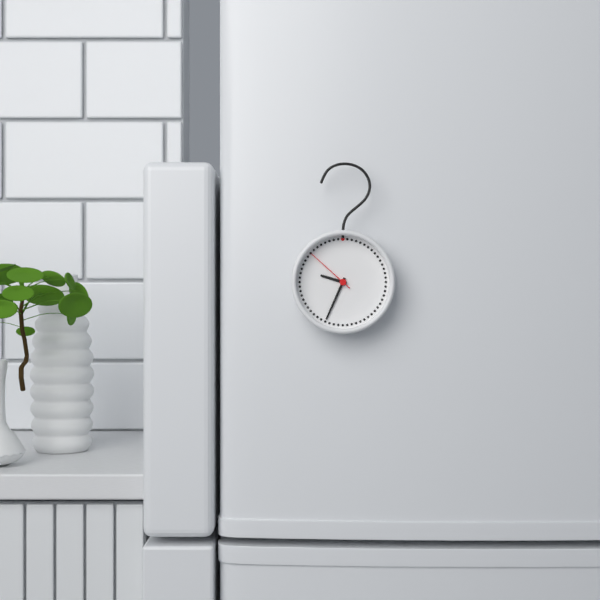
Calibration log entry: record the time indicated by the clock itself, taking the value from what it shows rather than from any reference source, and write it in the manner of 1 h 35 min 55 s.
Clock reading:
9 h 34 min 52 s
